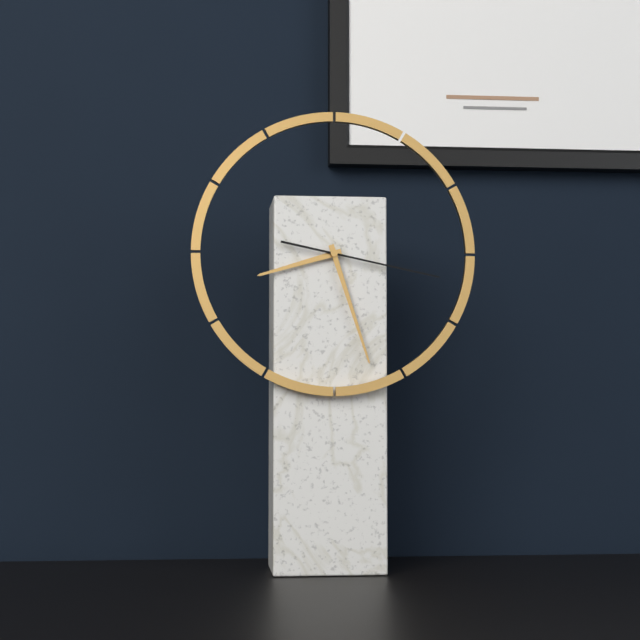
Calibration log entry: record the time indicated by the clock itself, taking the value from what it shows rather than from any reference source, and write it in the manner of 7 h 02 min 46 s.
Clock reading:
8 h 27 min 17 s
